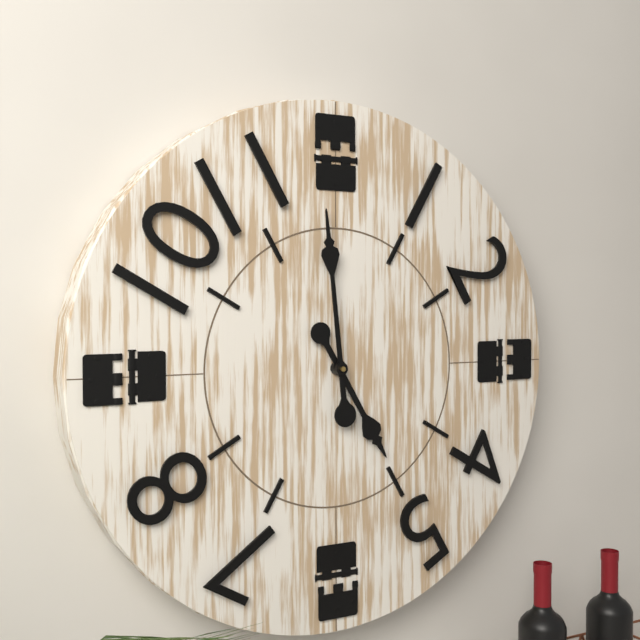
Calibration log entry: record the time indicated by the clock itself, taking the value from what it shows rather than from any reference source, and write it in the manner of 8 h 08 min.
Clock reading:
4 h 59 min
